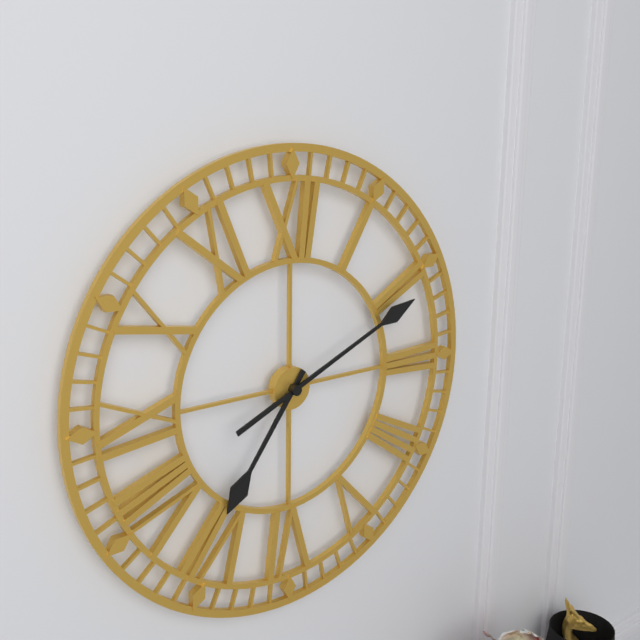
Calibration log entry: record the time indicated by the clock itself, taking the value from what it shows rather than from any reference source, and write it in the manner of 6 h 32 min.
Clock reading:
7 h 11 min
